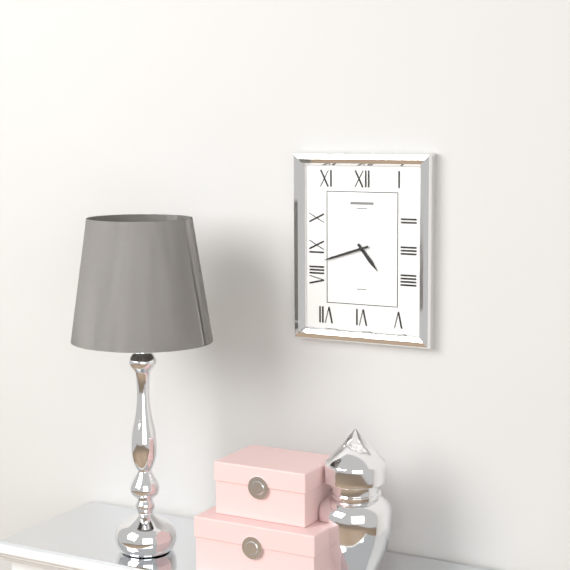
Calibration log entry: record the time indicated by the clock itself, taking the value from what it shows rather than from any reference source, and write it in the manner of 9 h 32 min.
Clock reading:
4 h 42 min
